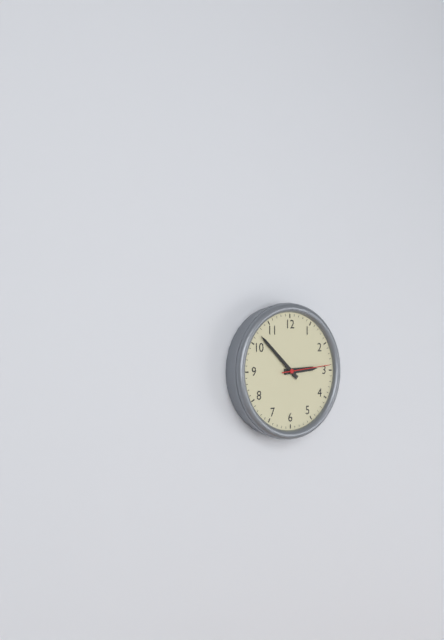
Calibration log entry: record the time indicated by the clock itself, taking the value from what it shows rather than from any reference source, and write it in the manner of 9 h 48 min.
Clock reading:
2 h 52 min
